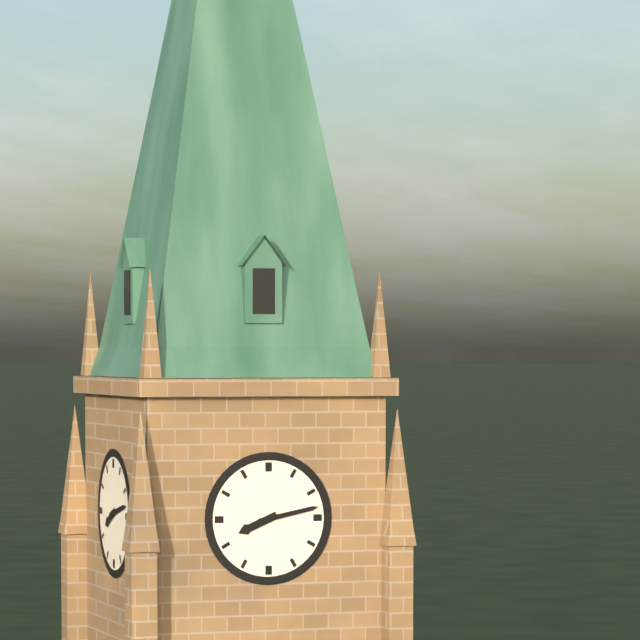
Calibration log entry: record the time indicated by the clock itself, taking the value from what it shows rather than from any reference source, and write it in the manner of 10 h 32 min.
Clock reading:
8 h 13 min
